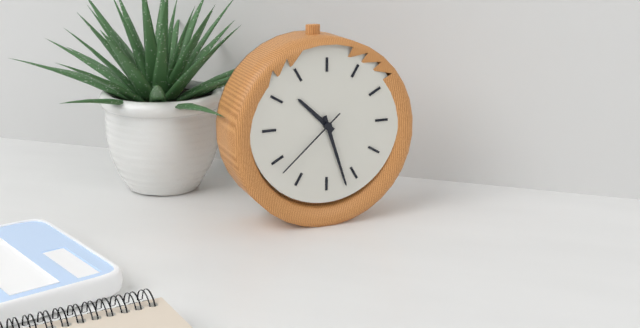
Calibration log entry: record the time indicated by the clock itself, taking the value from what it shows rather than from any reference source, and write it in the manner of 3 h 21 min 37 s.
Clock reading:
10 h 27 min 38 s
